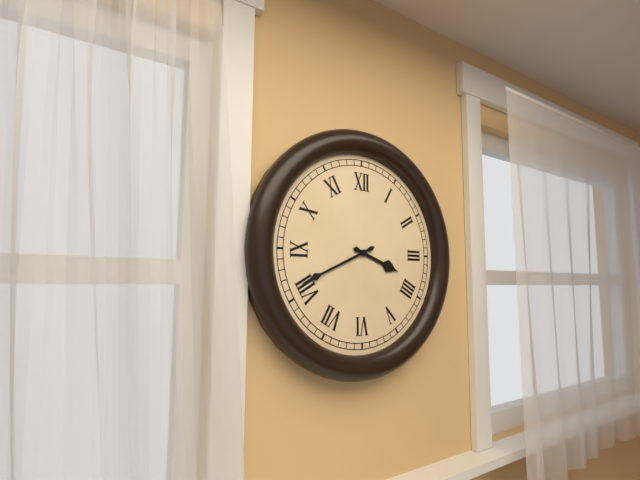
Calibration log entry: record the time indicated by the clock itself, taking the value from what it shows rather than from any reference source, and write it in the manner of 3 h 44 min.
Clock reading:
3 h 41 min
